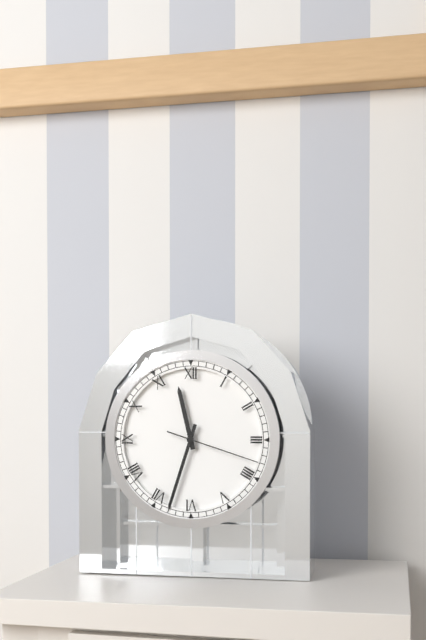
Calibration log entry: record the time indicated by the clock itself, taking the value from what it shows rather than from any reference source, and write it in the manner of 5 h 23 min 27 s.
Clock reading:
11 h 33 min 18 s
